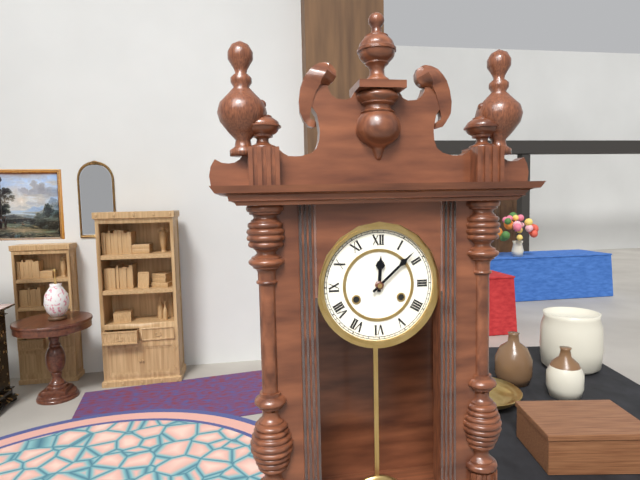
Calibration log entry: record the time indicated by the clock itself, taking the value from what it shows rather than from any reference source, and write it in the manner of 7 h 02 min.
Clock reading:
12 h 08 min
